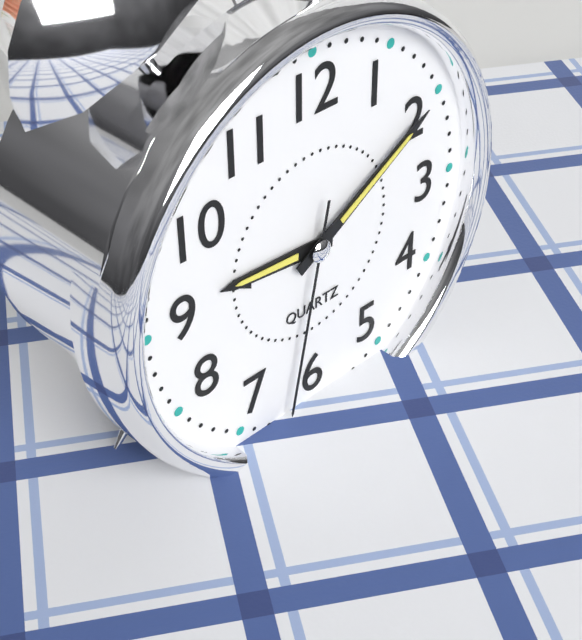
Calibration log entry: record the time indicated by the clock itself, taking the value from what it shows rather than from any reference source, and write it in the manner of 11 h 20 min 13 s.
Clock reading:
9 h 10 min 32 s
